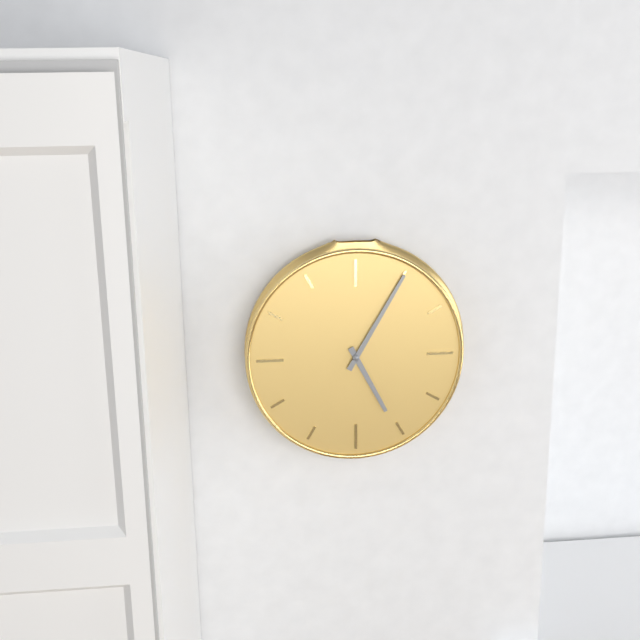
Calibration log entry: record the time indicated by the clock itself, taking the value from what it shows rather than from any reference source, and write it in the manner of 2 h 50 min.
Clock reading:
5 h 05 min
